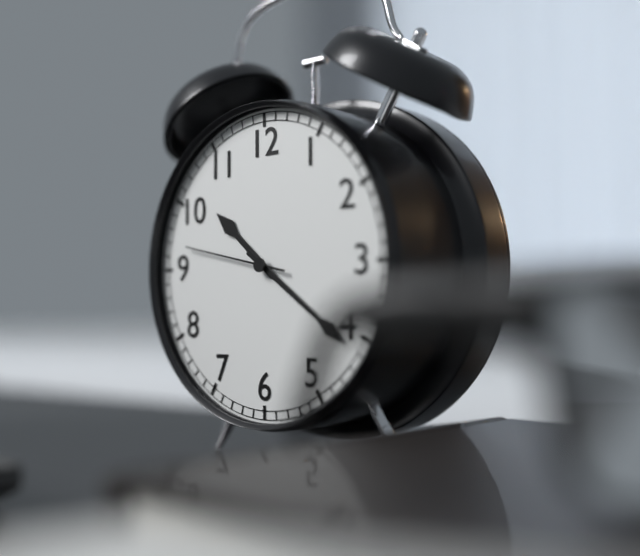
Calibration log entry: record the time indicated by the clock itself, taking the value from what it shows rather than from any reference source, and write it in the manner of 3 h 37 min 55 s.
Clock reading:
10 h 21 min 47 s
